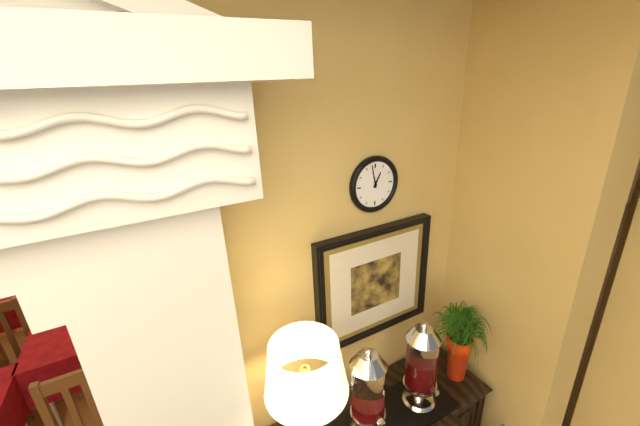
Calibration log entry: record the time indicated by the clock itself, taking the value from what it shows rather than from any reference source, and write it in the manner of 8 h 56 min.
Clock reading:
12 h 58 min
